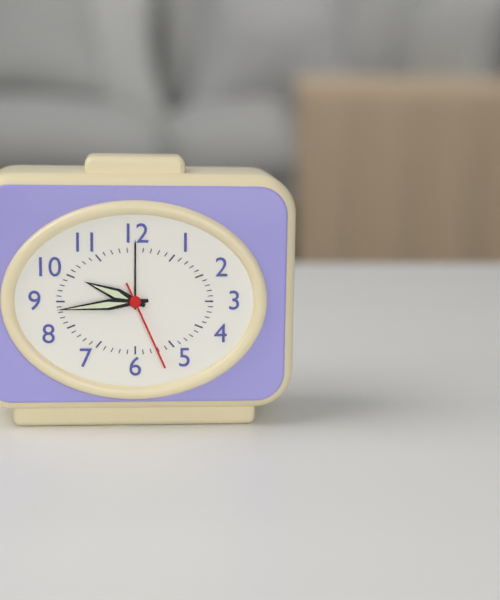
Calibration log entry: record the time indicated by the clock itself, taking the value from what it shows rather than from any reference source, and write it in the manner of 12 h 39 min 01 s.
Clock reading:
9 h 44 min 26 s
